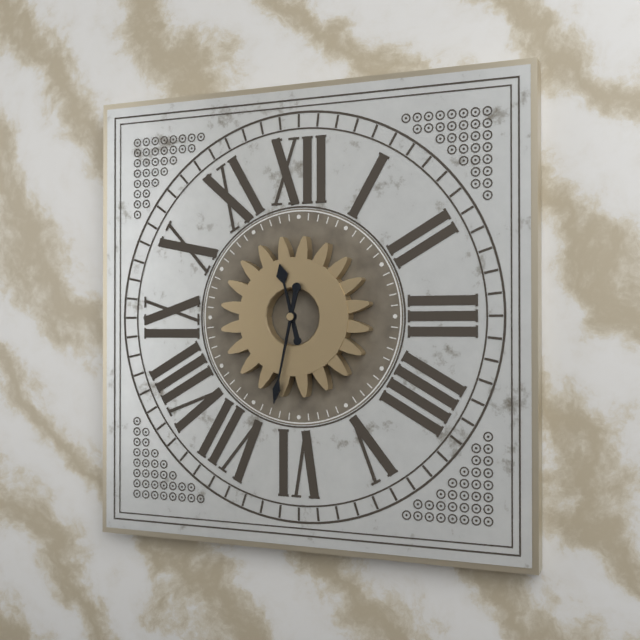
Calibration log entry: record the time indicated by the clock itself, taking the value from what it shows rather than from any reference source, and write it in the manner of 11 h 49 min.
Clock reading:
11 h 32 min
